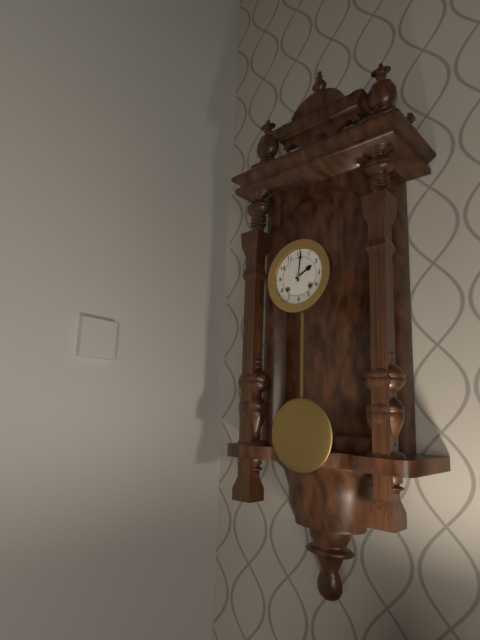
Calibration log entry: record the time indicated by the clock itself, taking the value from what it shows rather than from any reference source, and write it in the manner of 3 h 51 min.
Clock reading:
2 h 01 min
